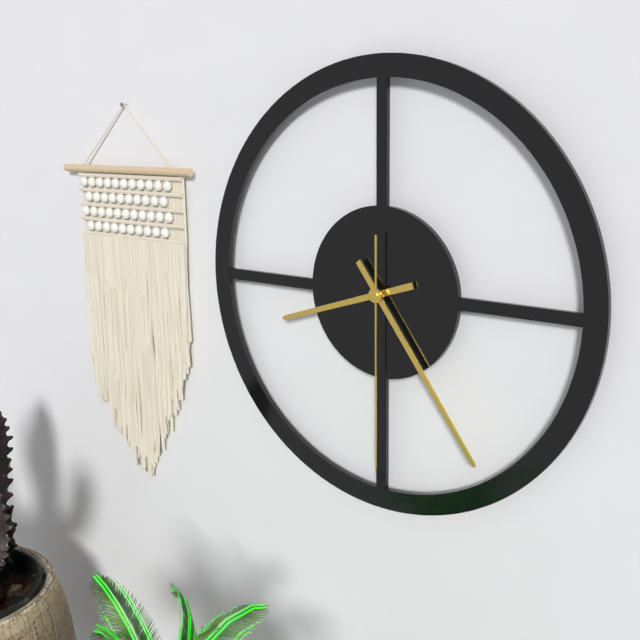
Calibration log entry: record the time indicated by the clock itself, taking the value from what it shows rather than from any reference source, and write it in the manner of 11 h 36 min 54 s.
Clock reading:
8 h 24 min 30 s
